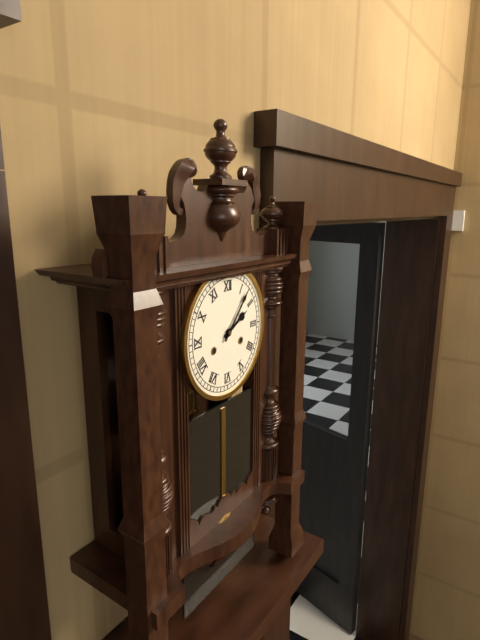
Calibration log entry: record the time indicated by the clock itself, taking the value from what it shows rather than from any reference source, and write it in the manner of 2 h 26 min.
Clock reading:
2 h 07 min
